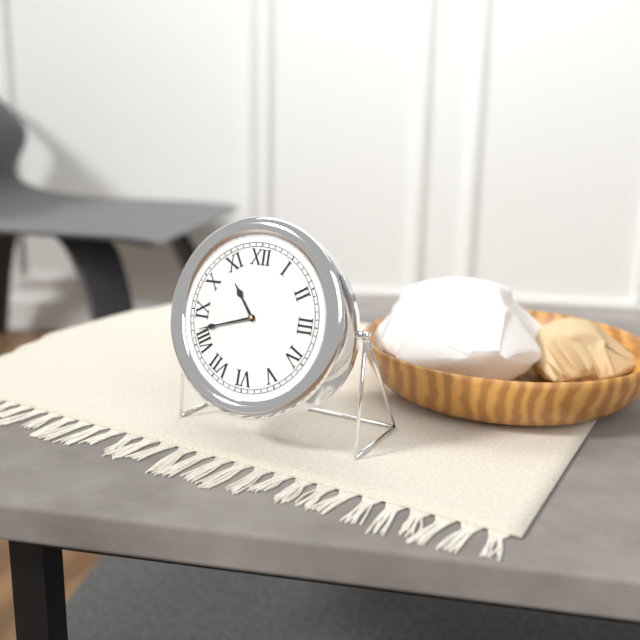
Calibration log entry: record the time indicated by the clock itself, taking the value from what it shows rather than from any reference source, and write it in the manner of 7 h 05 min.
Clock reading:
10 h 42 min
